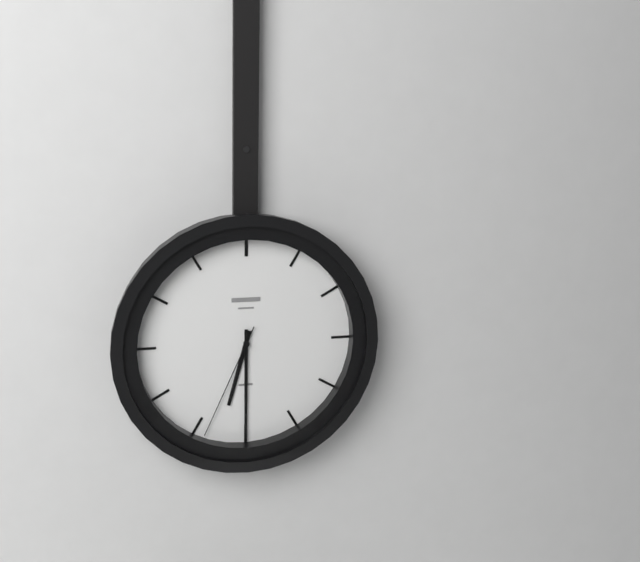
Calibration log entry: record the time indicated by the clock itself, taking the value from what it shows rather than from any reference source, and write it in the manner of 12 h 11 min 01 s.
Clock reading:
6 h 30 min 34 s
